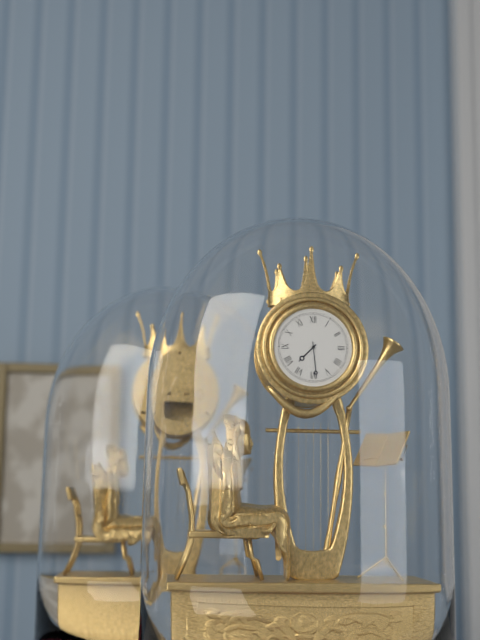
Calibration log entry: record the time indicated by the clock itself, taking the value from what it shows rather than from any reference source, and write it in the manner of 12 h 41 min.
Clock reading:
7 h 29 min
